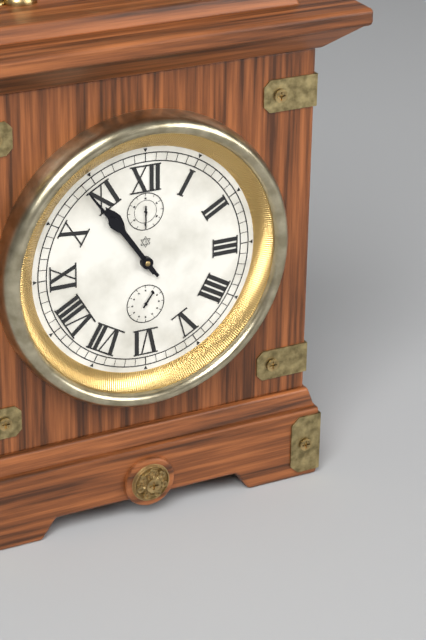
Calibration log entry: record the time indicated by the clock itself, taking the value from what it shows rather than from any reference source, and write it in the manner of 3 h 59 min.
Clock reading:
10 h 54 min
